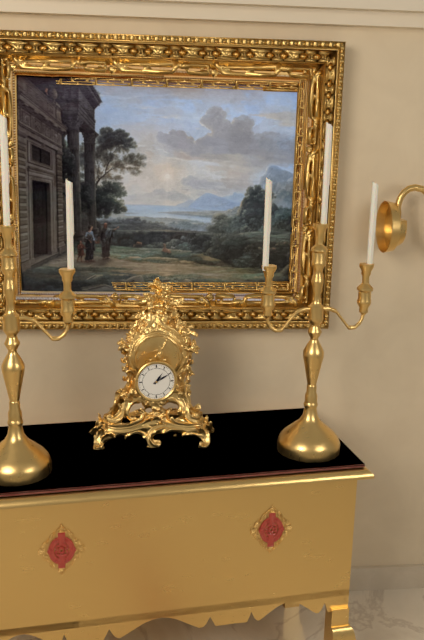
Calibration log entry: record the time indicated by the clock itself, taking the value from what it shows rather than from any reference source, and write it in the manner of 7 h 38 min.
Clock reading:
1 h 10 min
